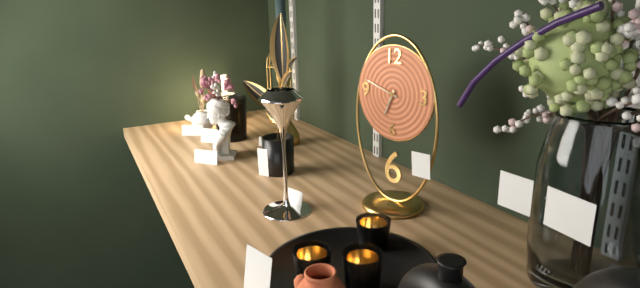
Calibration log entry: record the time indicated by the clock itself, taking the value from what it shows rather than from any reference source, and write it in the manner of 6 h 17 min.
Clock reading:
6 h 48 min
